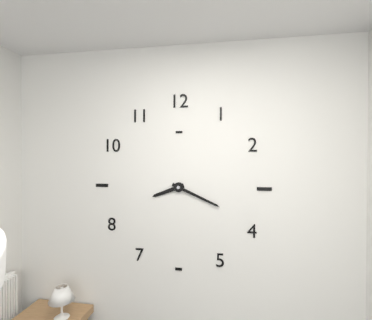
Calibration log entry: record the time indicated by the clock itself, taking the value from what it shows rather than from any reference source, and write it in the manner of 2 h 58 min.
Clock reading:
8 h 19 min
